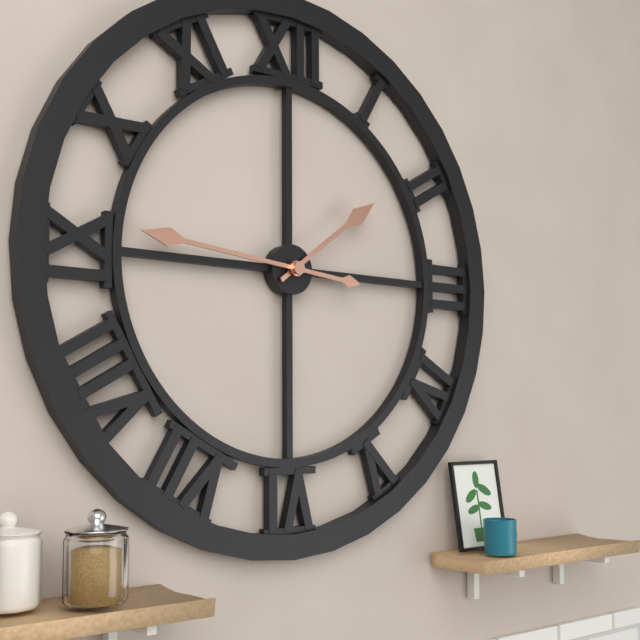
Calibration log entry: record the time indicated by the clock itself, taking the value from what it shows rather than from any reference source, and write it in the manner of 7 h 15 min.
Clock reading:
1 h 46 min
